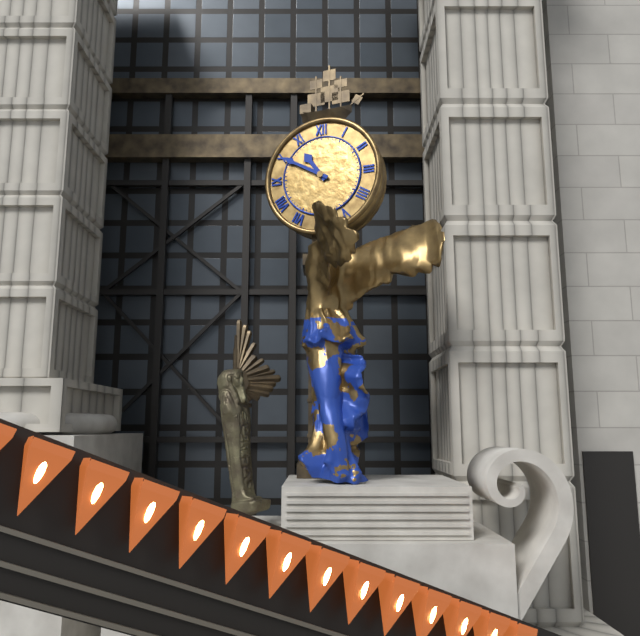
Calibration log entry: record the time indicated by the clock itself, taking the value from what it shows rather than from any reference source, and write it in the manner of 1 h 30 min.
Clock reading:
10 h 50 min
